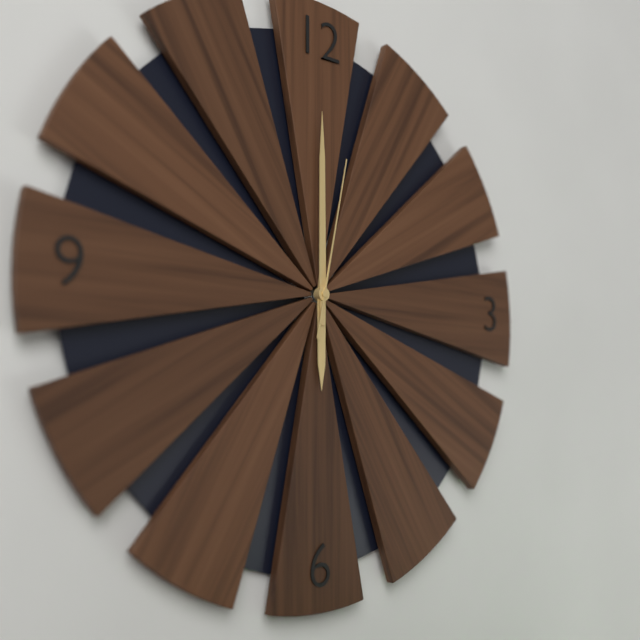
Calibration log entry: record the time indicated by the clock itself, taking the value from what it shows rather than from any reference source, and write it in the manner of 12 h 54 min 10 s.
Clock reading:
6 h 00 min 02 s
